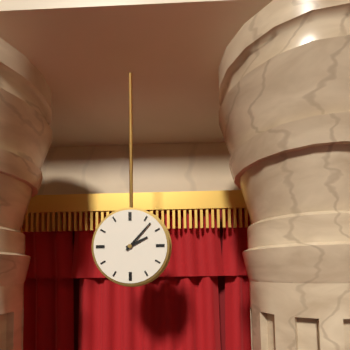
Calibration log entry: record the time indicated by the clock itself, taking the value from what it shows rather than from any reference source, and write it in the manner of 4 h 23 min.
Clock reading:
2 h 07 min
